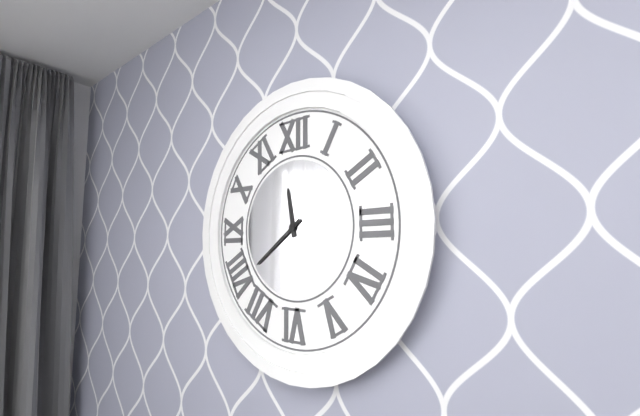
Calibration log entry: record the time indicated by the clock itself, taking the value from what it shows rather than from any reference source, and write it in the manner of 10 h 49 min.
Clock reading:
11 h 39 min
